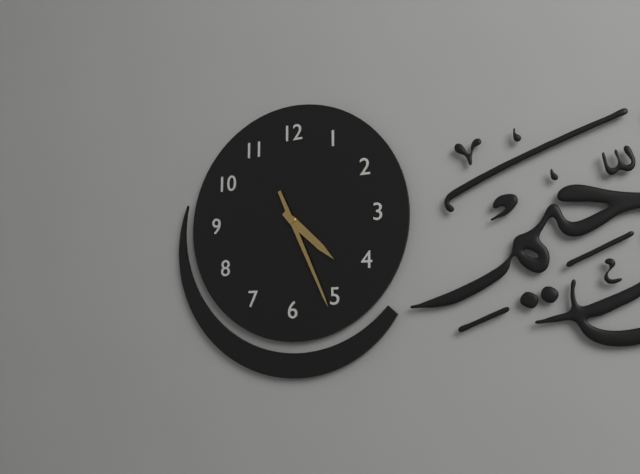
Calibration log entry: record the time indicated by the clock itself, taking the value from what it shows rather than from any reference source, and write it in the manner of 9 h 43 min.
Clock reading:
4 h 26 min
